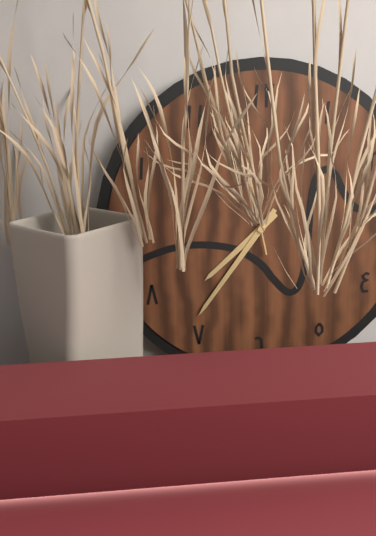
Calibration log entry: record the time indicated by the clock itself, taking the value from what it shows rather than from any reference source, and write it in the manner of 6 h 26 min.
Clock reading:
7 h 36 min
